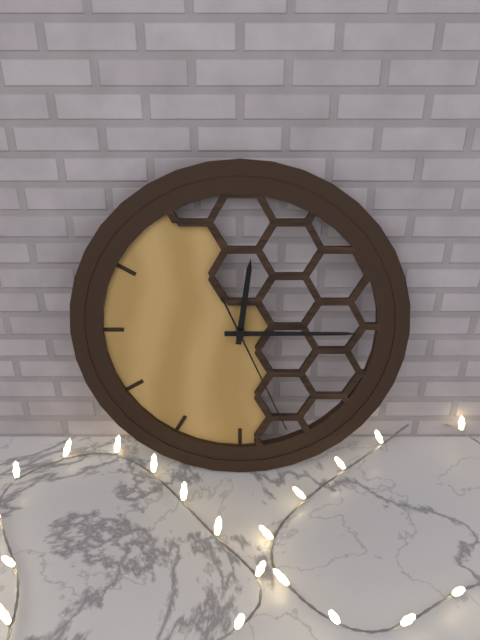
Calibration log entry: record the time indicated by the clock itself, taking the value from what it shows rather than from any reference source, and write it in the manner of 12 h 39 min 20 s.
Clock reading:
12 h 15 min 26 s
